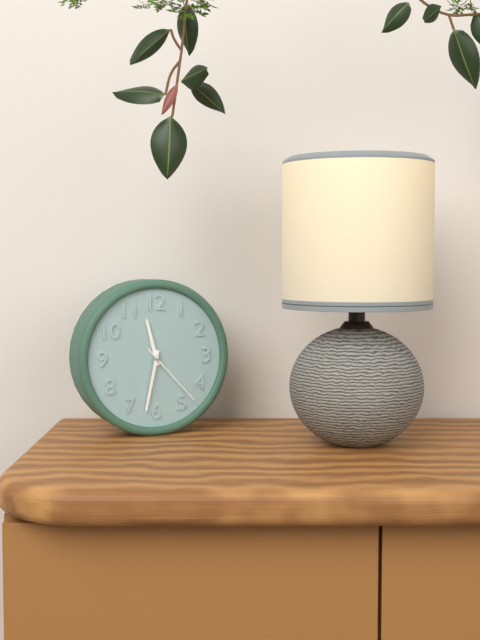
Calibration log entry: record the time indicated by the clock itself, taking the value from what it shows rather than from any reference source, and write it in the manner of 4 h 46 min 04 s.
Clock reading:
11 h 32 min 23 s
